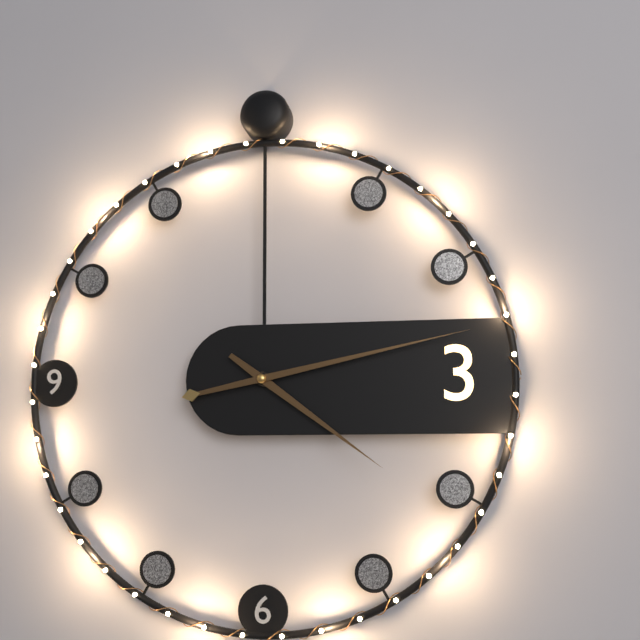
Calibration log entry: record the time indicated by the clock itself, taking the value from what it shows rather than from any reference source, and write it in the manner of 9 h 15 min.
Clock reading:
4 h 13 min
